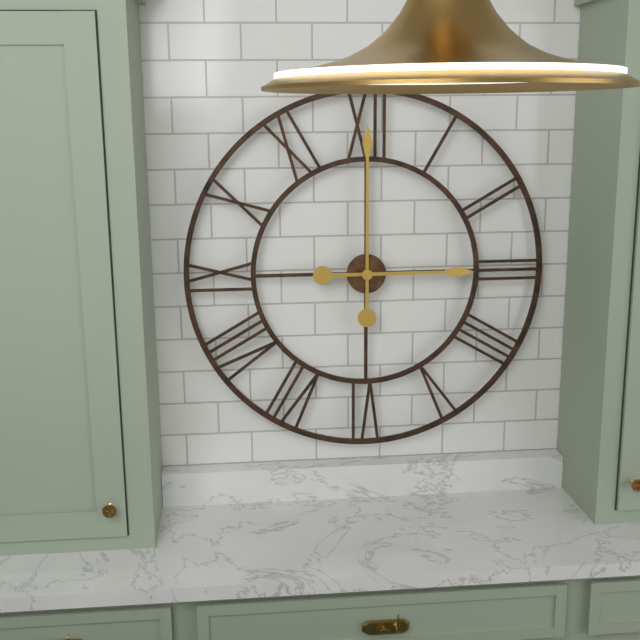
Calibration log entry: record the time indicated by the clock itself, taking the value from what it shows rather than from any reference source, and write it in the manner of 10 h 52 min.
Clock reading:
3 h 00 min
